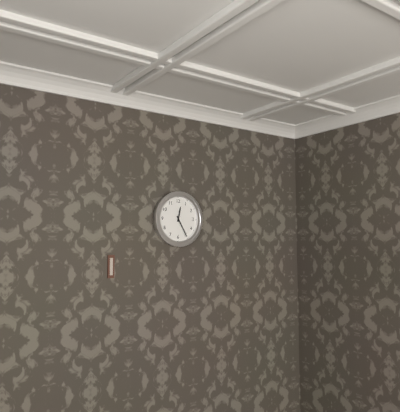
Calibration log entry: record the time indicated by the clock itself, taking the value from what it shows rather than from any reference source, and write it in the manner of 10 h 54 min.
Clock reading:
12 h 25 min
